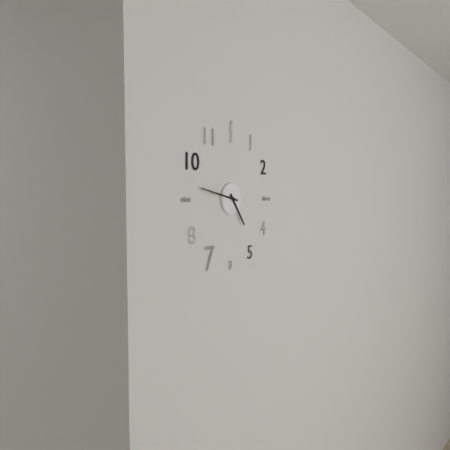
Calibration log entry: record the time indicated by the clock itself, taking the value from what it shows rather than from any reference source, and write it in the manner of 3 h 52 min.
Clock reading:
4 h 47 min
